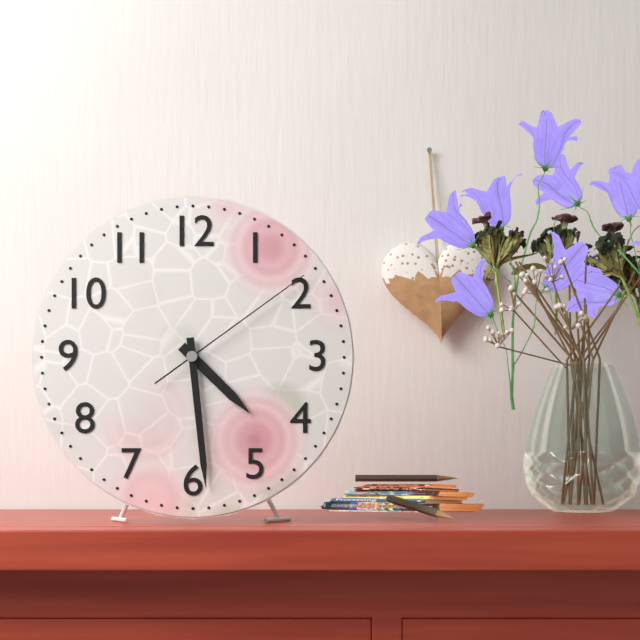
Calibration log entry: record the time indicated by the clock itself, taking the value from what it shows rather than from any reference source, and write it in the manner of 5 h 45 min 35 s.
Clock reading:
4 h 29 min 09 s
